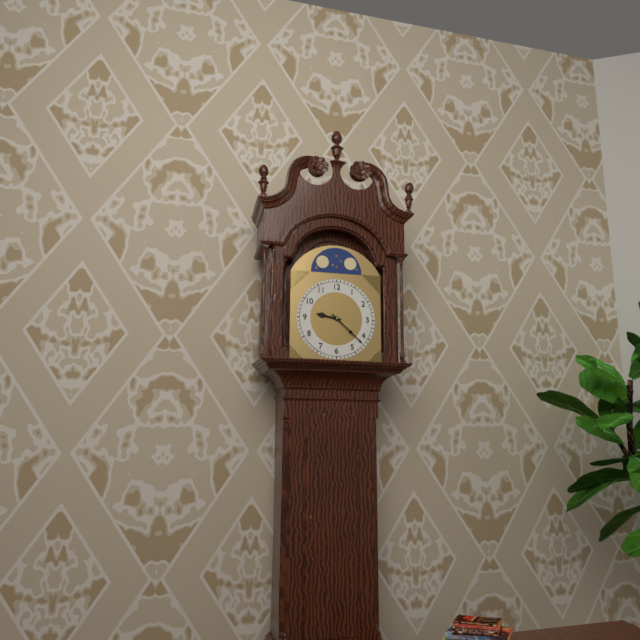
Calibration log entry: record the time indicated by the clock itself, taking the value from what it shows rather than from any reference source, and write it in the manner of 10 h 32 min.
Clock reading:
9 h 22 min
